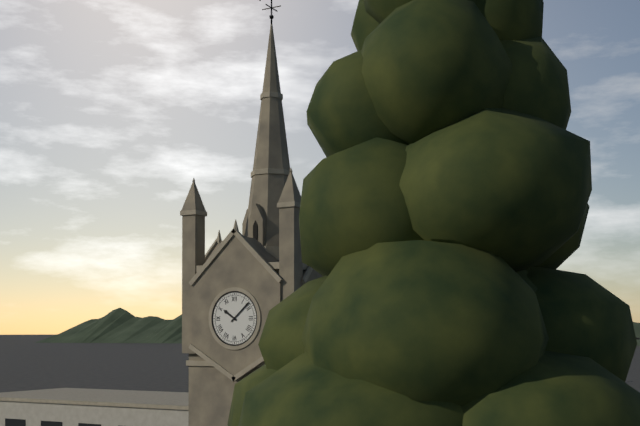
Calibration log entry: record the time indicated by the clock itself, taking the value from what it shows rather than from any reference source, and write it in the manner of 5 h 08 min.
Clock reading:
10 h 08 min
